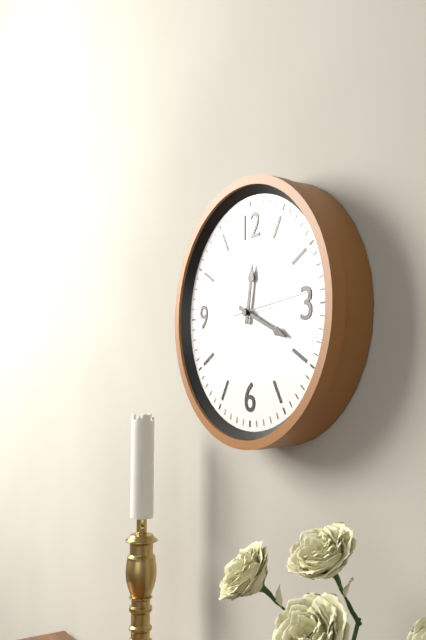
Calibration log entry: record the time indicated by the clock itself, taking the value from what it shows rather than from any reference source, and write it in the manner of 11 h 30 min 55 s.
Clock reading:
12 h 19 min 14 s
